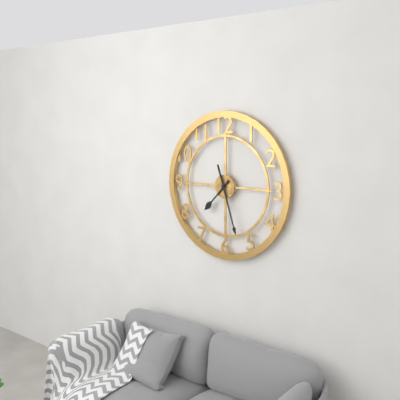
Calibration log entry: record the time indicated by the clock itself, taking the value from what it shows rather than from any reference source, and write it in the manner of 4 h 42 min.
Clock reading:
7 h 27 min
